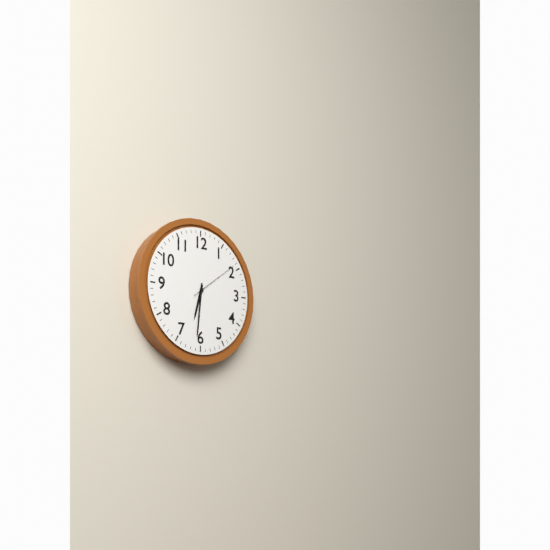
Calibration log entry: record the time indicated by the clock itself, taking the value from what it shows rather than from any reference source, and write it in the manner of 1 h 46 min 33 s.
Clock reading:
6 h 31 min 09 s
